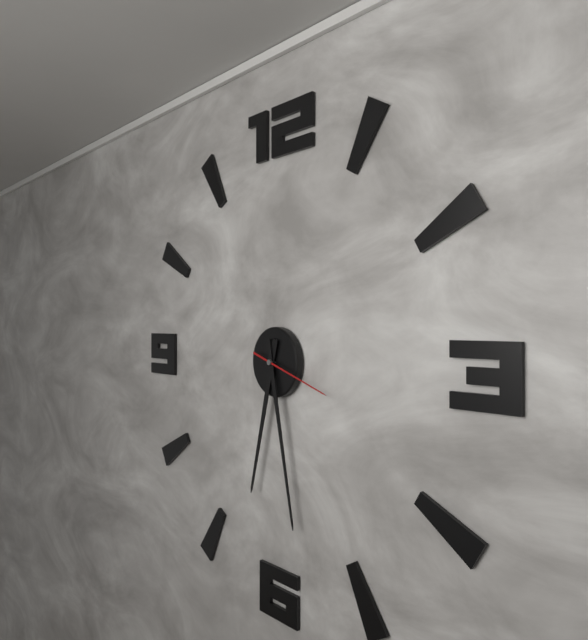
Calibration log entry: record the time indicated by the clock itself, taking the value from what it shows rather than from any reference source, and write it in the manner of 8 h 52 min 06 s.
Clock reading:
6 h 28 min 18 s
